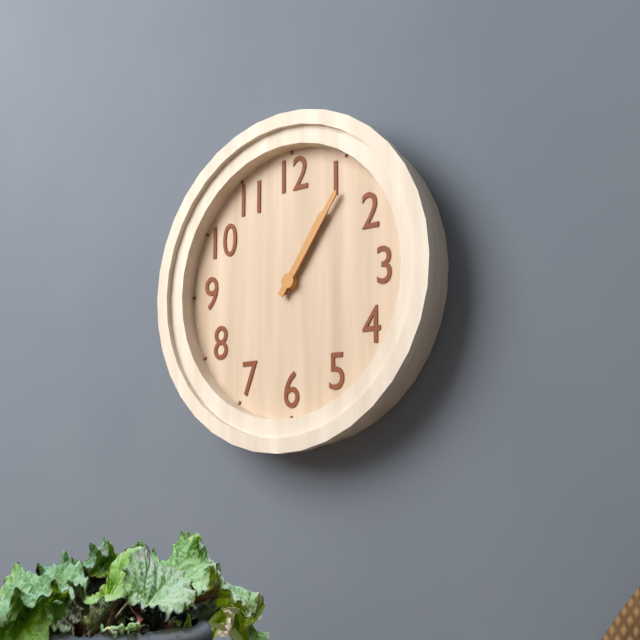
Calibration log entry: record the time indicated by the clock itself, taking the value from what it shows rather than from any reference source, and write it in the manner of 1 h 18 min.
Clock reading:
1 h 06 min
